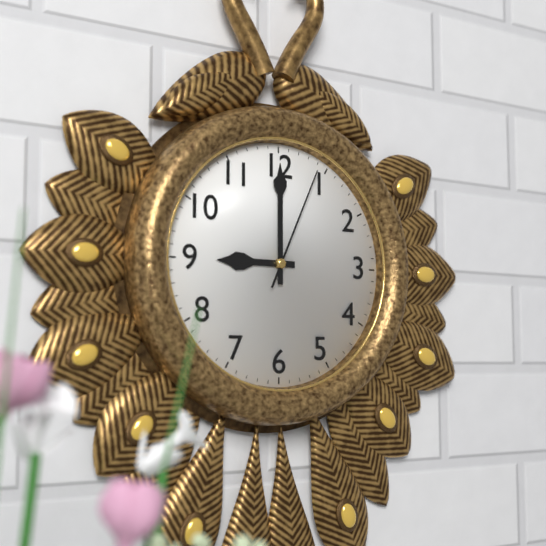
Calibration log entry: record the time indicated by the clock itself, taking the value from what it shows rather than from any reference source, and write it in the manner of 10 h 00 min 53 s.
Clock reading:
9 h 00 min 04 s
